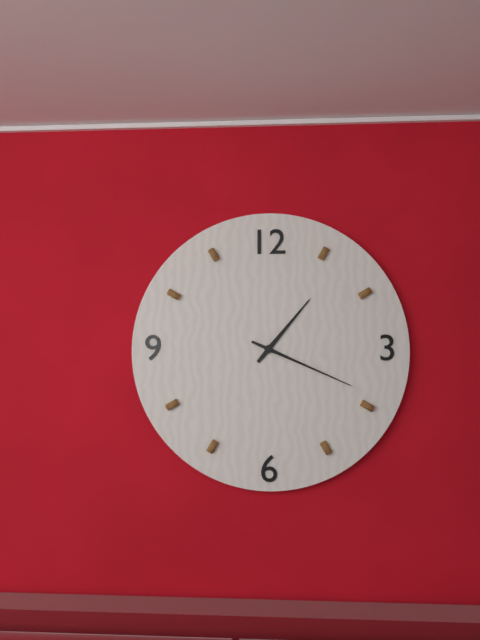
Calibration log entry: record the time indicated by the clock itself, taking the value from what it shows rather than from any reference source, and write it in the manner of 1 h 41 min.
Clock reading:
1 h 19 min
